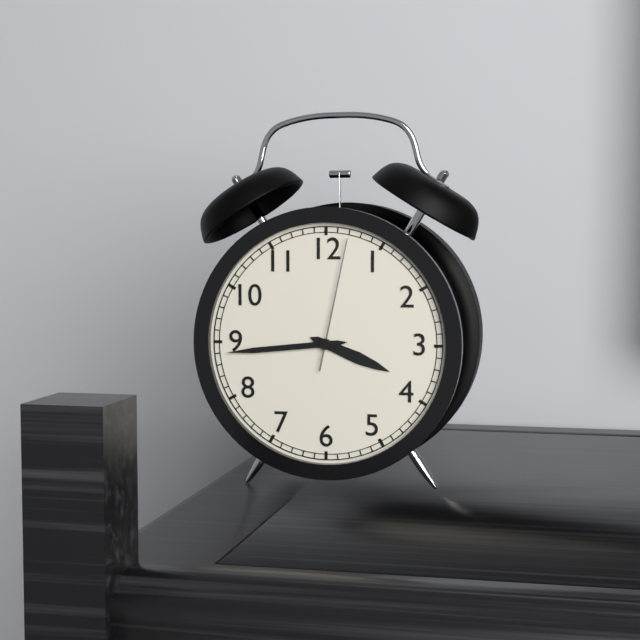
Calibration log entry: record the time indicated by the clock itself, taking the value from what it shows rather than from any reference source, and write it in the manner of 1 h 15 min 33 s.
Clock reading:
3 h 44 min 02 s
